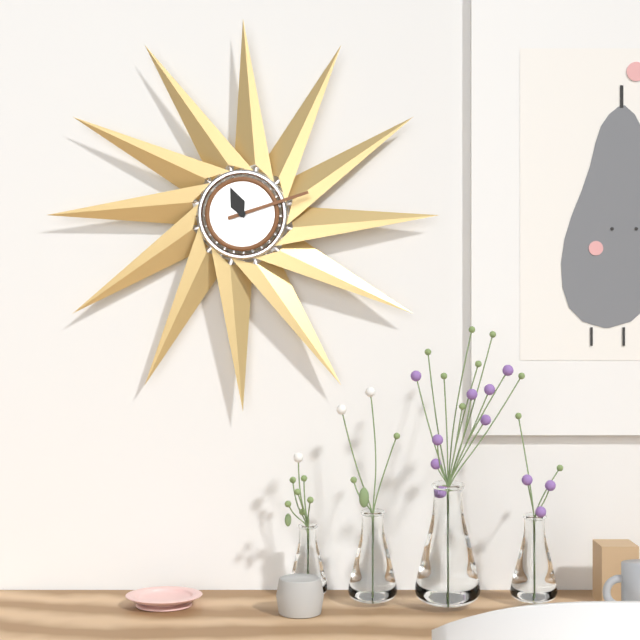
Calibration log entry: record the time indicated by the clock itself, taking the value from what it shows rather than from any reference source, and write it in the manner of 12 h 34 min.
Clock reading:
11 h 12 min
